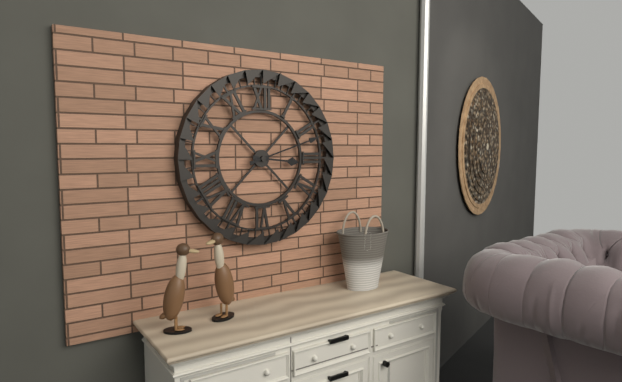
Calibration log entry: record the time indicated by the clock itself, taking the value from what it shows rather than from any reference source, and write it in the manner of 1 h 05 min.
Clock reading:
3 h 12 min
